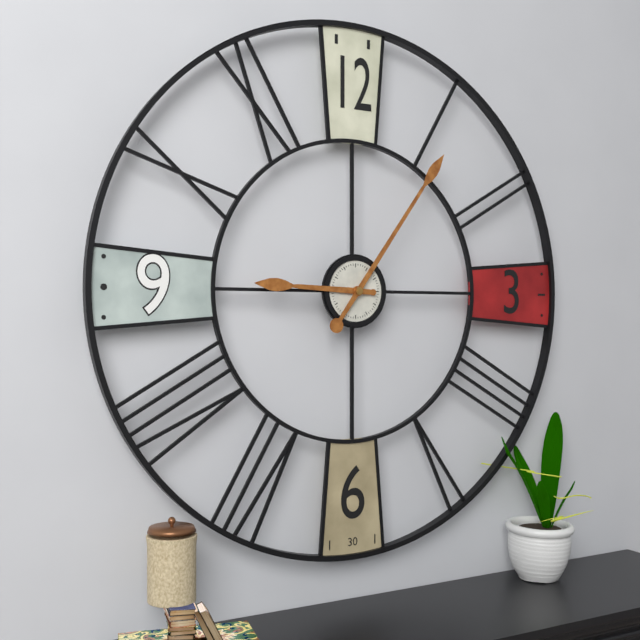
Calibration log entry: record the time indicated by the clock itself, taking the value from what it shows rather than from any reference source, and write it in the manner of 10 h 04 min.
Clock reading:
9 h 06 min
